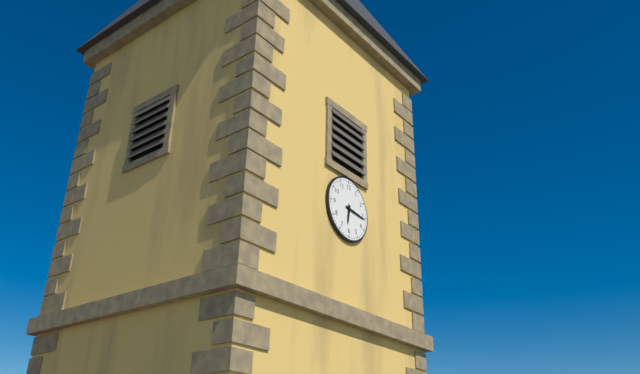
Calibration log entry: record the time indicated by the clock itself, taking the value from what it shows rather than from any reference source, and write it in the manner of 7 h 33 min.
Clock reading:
6 h 16 min
